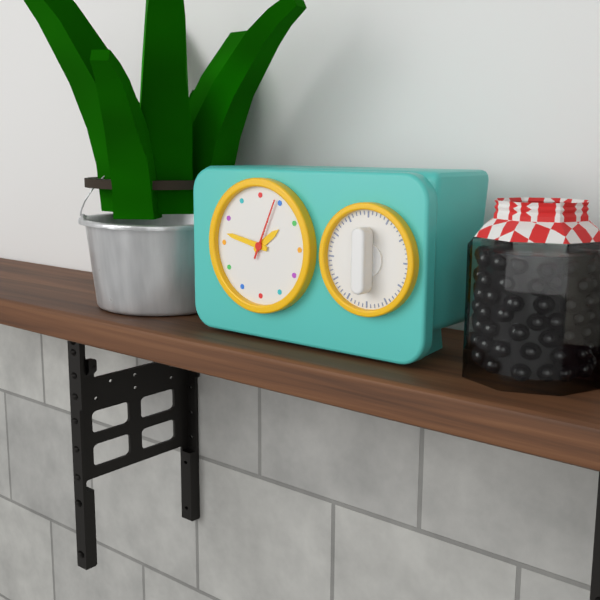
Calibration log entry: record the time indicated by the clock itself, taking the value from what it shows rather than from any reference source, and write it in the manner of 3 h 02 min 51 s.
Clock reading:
1 h 47 min 04 s
